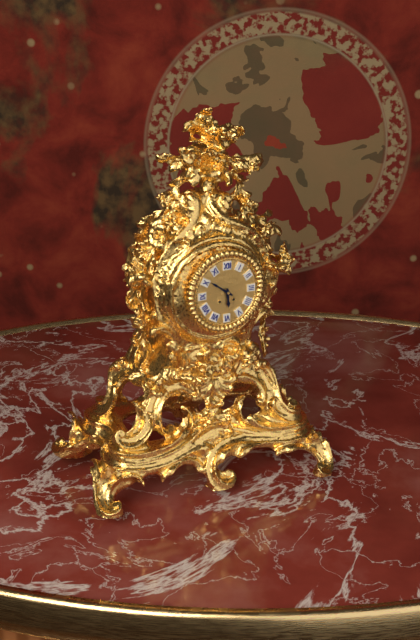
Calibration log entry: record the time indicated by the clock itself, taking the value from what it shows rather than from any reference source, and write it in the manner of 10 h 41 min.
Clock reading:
5 h 51 min
